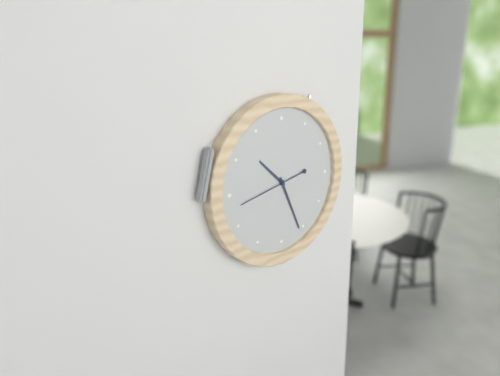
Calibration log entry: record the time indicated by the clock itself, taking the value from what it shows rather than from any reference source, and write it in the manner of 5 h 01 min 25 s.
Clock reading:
10 h 26 min 43 s
